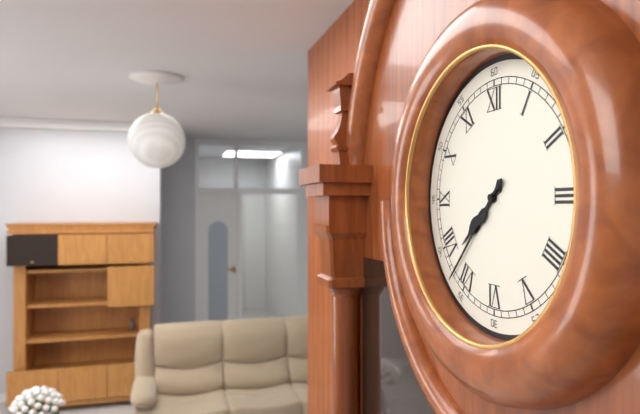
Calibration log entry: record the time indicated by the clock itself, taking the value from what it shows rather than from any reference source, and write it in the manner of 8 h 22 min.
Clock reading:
7 h 37 min
